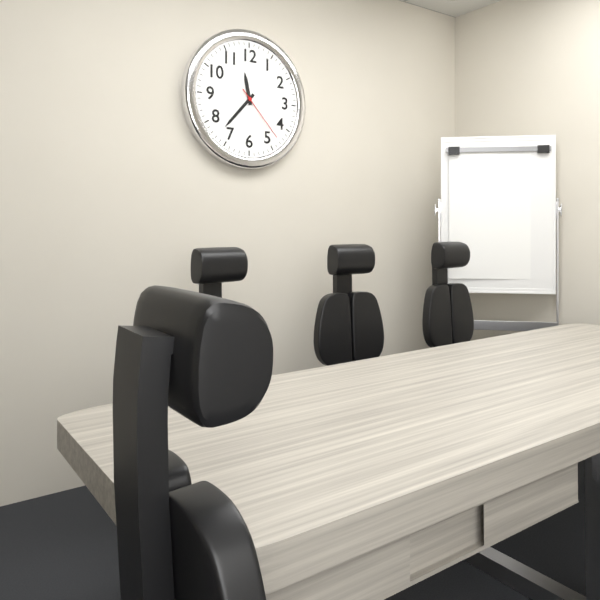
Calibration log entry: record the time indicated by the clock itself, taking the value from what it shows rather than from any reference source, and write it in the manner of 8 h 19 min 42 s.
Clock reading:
11 h 37 min 23 s
